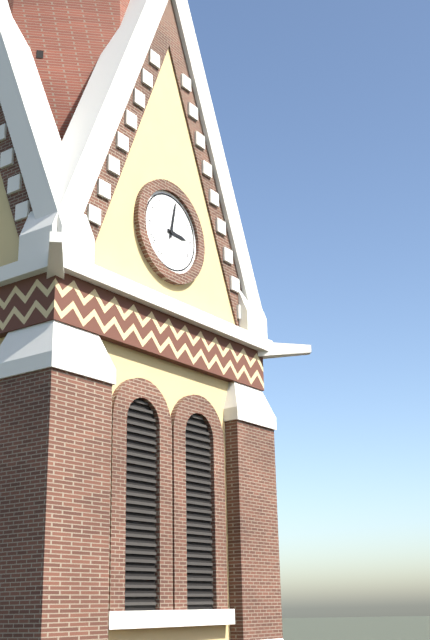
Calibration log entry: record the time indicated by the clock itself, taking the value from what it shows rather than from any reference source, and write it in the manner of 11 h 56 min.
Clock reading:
3 h 02 min
